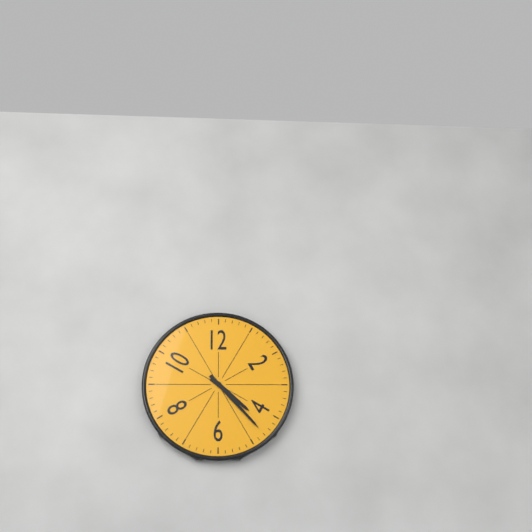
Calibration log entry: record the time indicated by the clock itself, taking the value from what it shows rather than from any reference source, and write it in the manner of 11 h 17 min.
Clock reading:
4 h 23 min
